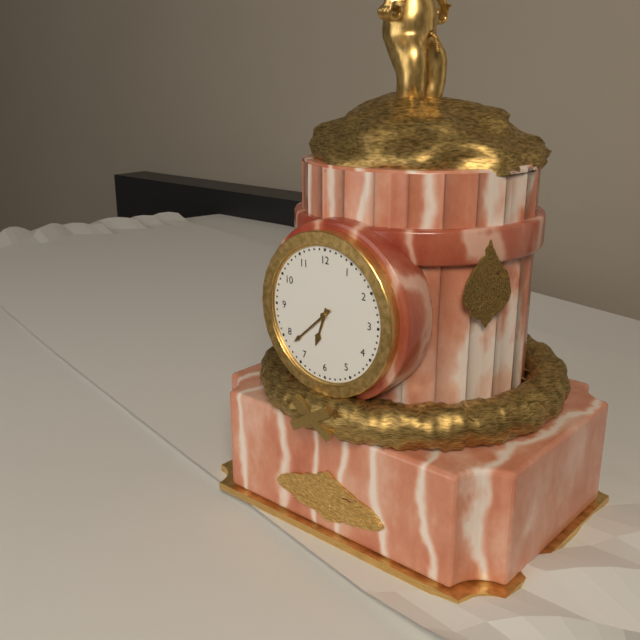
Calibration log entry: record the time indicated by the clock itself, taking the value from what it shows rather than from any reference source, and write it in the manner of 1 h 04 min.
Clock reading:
6 h 38 min
